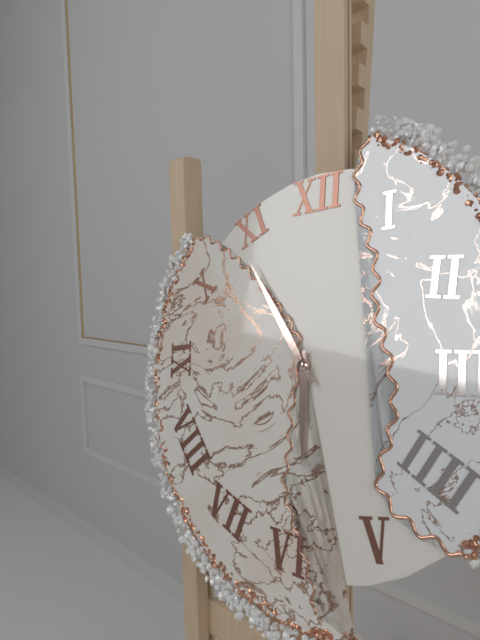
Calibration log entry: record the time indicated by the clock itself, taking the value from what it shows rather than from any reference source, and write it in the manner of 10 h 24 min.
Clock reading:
5 h 54 min
